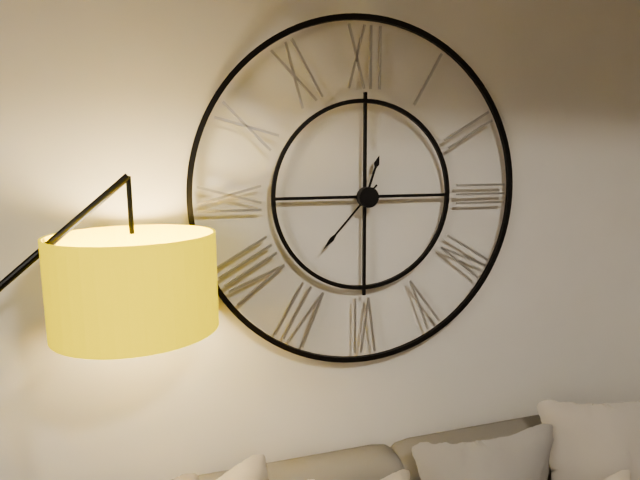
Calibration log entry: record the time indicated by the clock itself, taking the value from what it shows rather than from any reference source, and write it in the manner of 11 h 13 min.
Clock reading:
12 h 37 min
